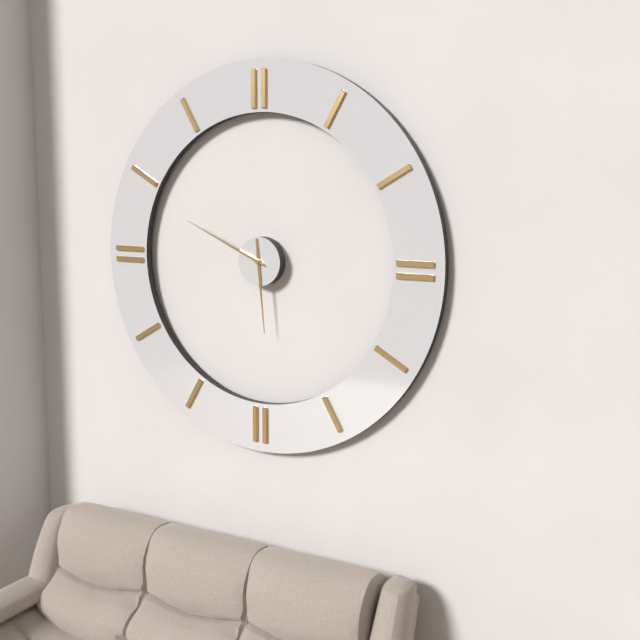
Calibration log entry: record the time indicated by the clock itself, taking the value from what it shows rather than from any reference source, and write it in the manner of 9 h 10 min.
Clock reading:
5 h 49 min
